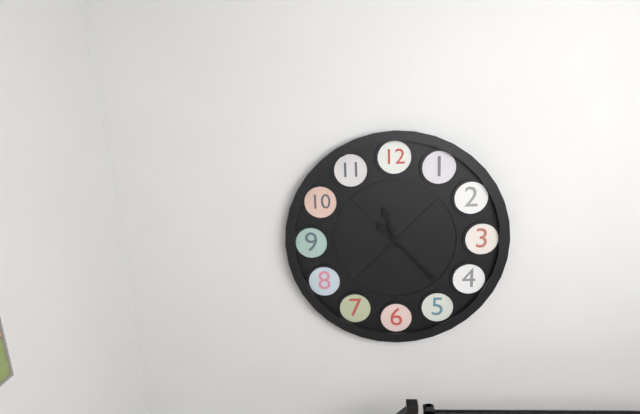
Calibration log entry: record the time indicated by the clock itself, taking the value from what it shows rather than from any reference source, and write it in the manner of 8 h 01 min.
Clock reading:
11 h 23 min
